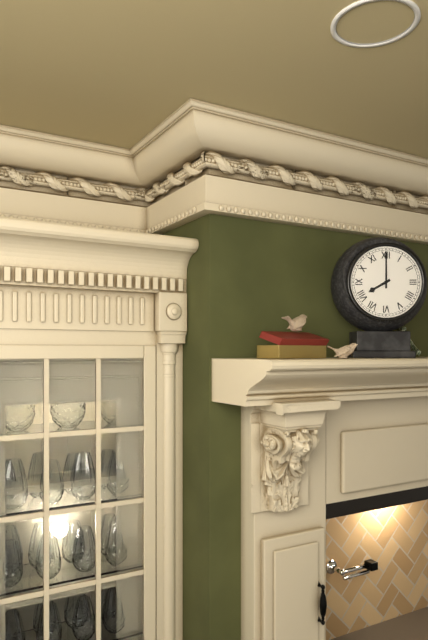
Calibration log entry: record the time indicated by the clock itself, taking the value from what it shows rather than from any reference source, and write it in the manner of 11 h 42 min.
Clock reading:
8 h 00 min
